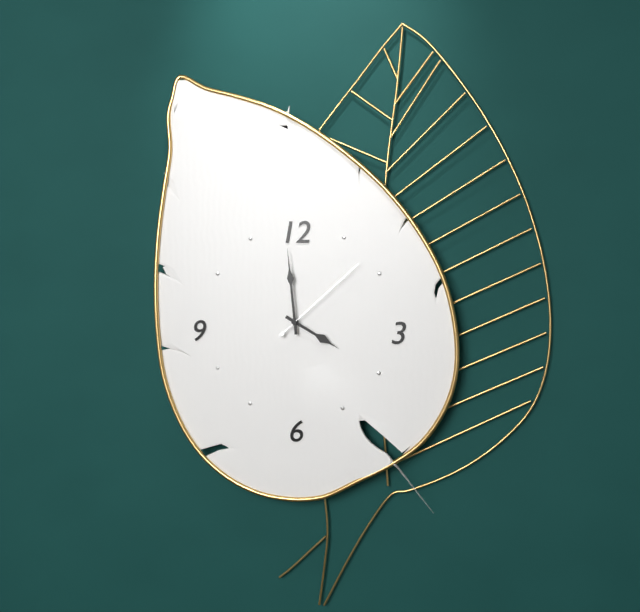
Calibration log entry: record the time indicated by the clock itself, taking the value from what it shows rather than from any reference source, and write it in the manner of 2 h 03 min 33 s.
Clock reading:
3 h 59 min 08 s
